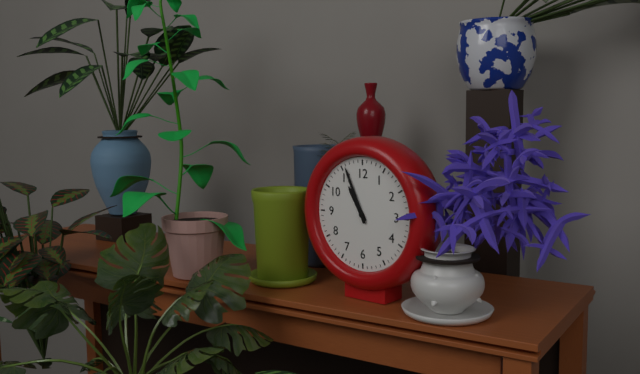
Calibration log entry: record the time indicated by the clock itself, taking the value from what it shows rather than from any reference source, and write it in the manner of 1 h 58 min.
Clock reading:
10 h 56 min
